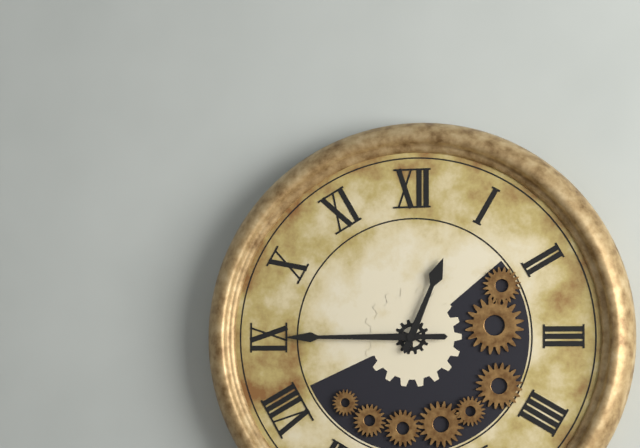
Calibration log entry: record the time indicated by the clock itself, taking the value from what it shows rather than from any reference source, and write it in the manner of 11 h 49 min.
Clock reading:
12 h 45 min
